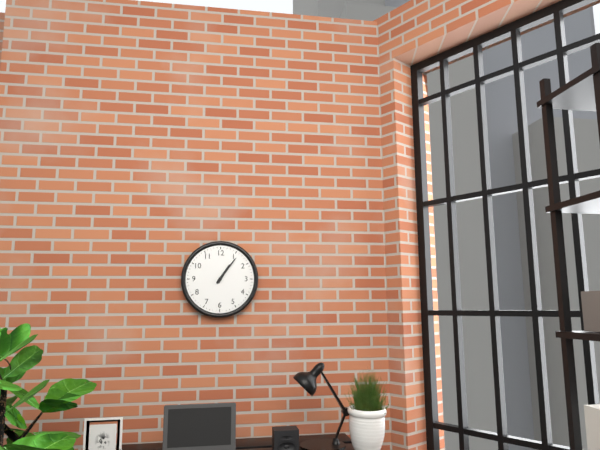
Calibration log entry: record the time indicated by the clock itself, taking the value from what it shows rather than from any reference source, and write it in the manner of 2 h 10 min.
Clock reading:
1 h 06 min
